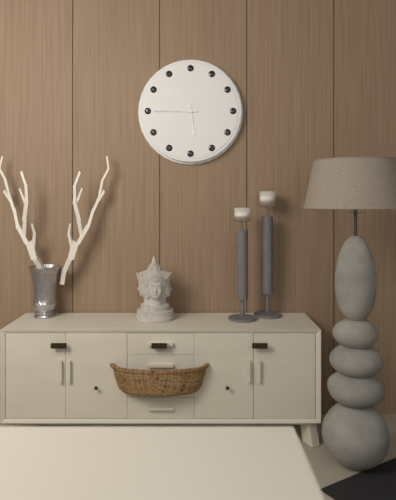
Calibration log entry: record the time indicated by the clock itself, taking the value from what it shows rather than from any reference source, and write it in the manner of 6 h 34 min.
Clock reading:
5 h 45 min
